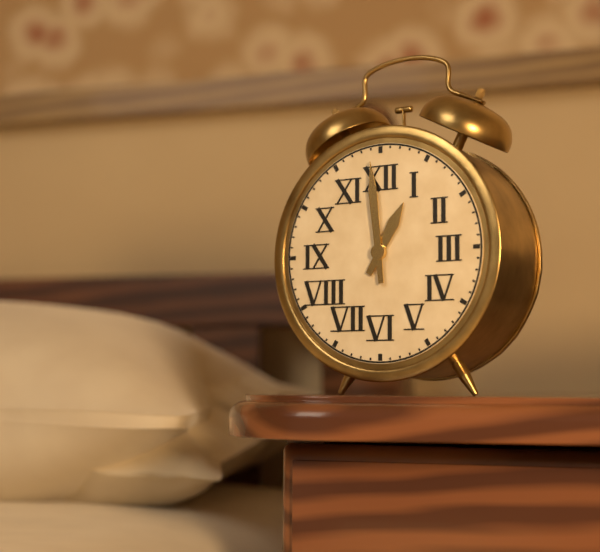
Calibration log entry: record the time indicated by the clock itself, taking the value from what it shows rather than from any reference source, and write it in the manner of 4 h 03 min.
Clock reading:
12 h 59 min
